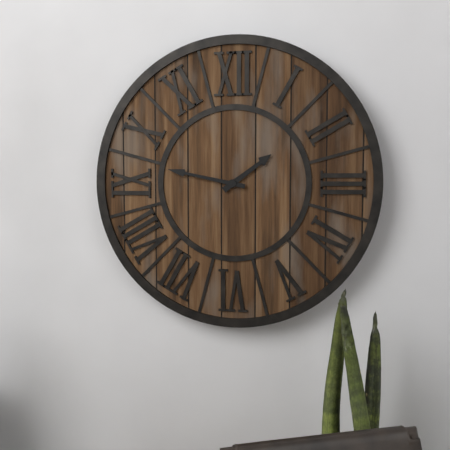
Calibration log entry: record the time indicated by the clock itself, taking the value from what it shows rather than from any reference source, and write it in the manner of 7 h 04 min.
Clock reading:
1 h 47 min
